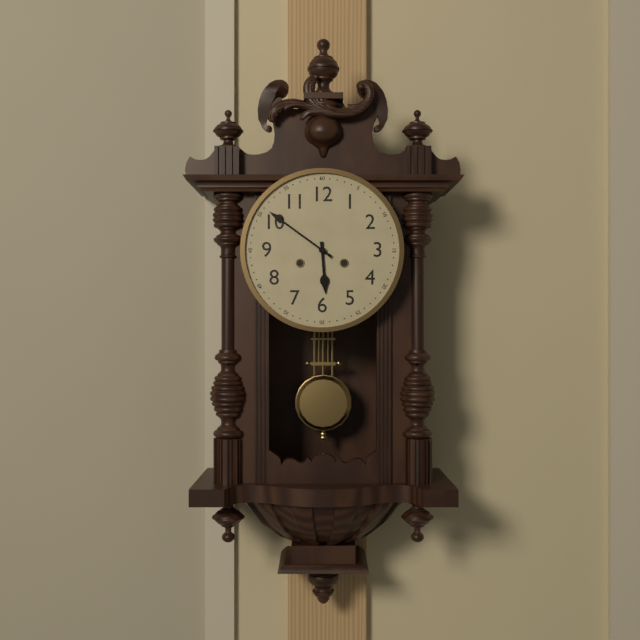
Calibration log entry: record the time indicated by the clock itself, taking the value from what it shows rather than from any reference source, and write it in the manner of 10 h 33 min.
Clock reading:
5 h 51 min
